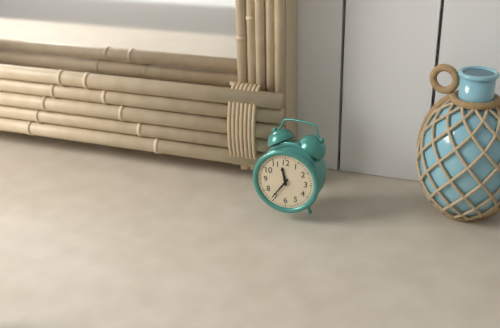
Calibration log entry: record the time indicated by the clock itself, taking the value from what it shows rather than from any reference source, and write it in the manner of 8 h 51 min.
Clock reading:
11 h 36 min
